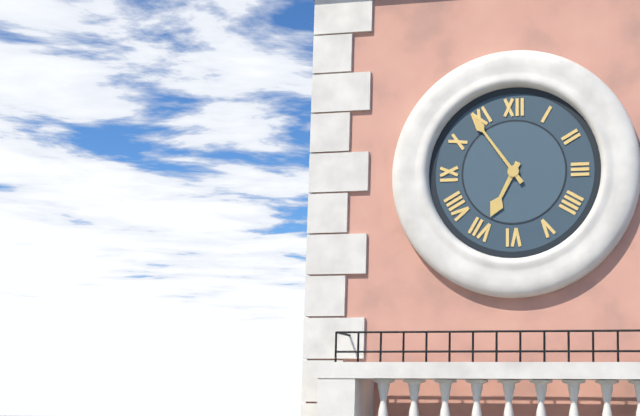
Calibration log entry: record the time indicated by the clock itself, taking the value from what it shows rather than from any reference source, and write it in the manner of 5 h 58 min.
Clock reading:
6 h 54 min
